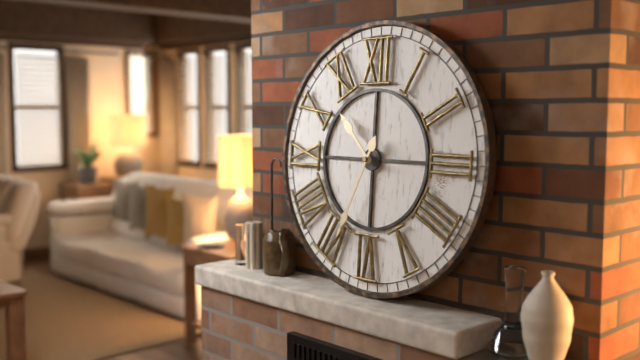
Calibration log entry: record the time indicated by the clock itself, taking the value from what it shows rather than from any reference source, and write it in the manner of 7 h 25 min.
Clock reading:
10 h 34 min
